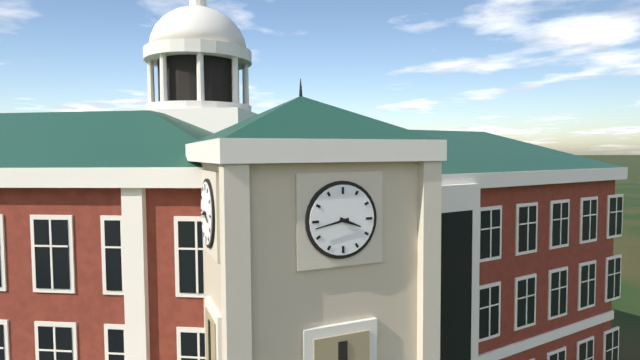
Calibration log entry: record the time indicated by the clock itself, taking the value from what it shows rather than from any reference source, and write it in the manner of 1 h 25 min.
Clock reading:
3 h 43 min
